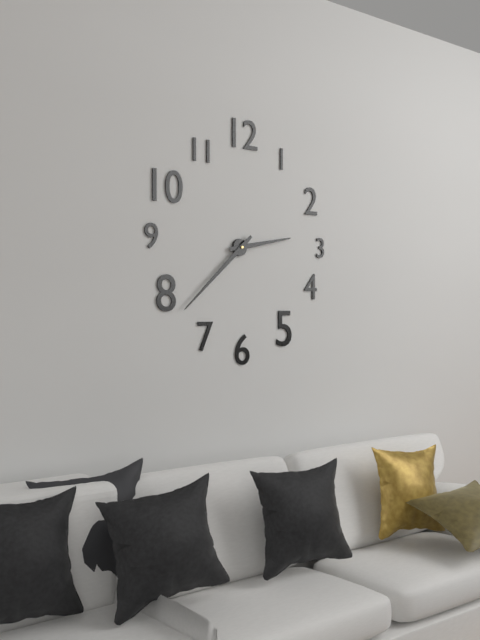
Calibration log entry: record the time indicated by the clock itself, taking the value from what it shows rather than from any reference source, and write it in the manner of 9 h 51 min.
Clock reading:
2 h 38 min
